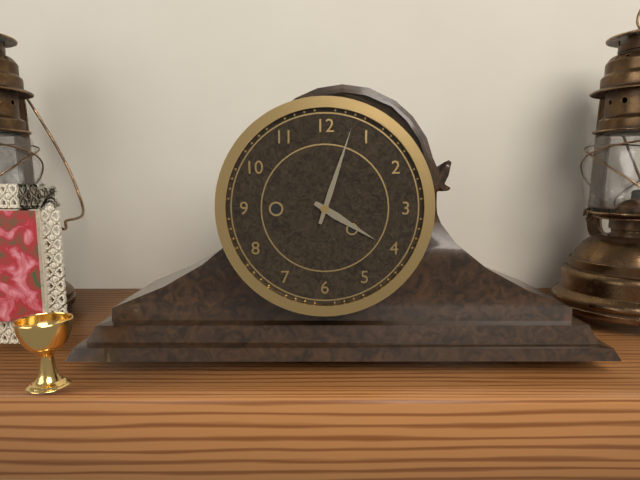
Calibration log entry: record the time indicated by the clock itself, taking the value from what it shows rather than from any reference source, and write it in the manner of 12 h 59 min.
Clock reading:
4 h 03 min
